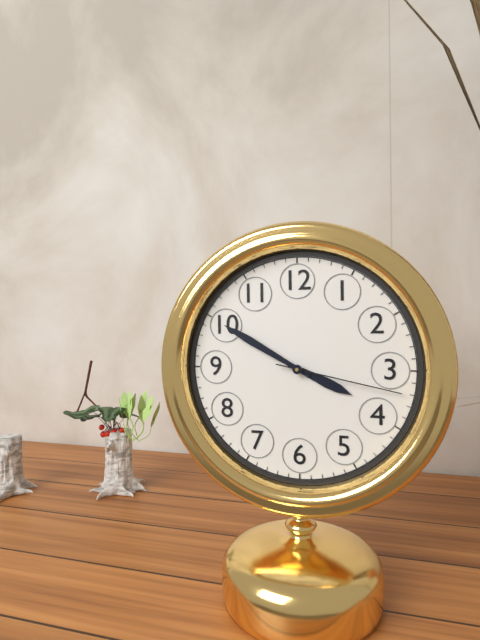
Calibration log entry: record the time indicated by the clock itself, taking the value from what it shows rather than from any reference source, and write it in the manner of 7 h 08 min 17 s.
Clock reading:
3 h 50 min 17 s
